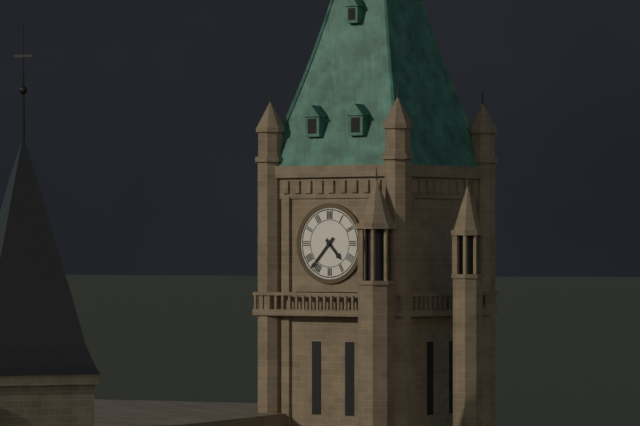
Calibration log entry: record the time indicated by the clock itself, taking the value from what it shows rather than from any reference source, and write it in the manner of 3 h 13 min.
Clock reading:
4 h 37 min
